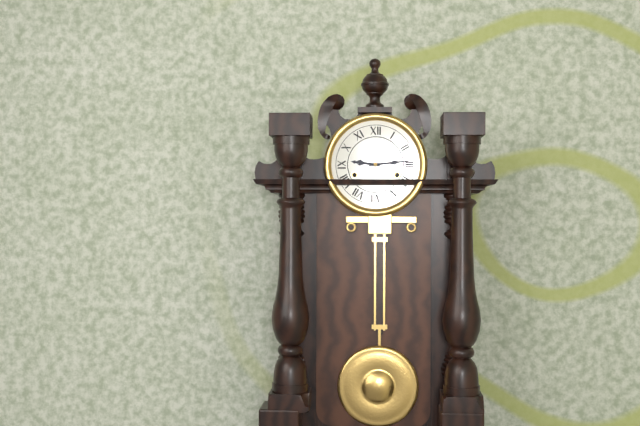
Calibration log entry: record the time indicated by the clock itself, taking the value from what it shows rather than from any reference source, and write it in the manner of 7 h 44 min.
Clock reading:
9 h 14 min
